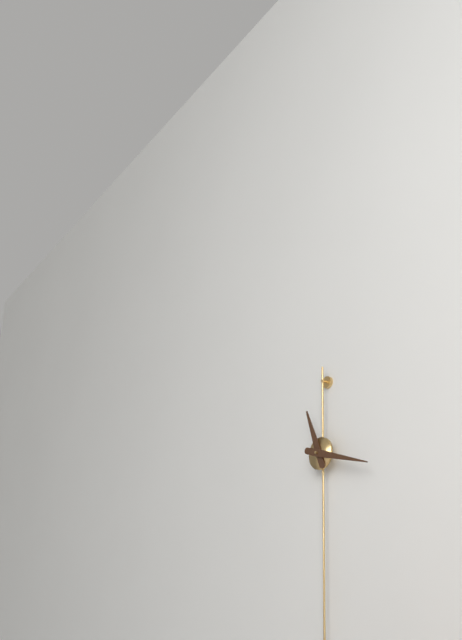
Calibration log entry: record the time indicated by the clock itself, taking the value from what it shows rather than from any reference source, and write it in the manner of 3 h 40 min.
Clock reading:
11 h 18 min
